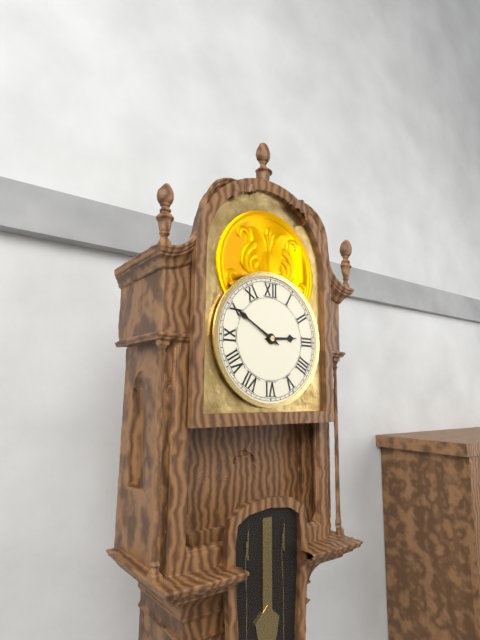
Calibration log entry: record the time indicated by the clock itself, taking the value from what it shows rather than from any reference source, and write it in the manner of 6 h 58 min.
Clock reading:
2 h 50 min
